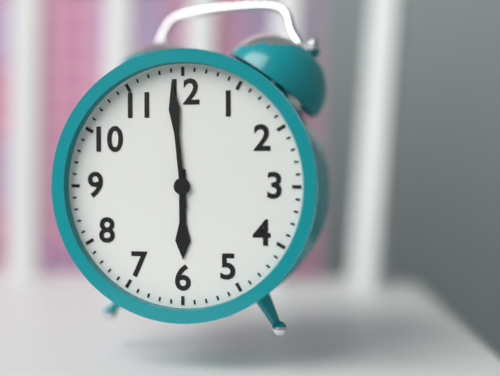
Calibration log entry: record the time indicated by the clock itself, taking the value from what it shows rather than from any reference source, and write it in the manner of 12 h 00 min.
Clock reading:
5 h 59 min
